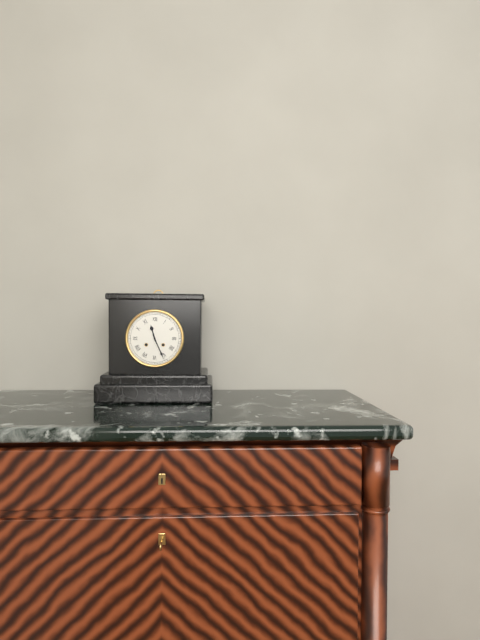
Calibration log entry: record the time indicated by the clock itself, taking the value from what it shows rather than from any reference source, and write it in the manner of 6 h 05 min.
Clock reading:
11 h 26 min
